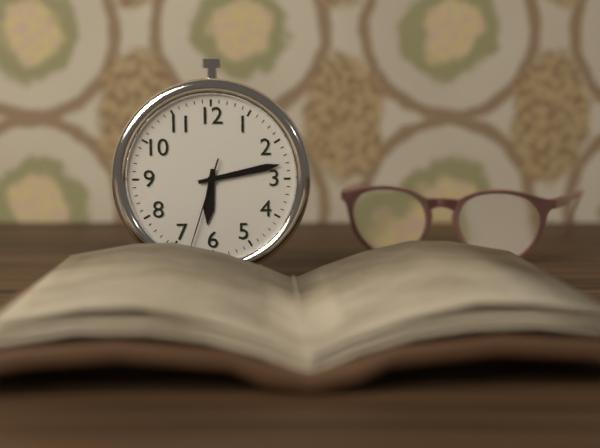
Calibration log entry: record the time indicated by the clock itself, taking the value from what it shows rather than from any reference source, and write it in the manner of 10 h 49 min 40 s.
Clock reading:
6 h 13 min 33 s
